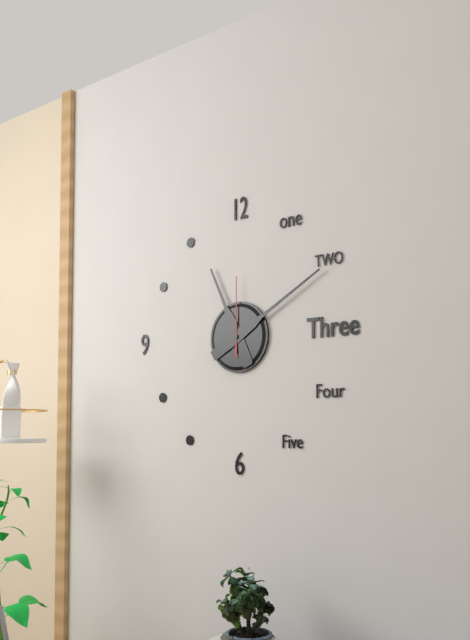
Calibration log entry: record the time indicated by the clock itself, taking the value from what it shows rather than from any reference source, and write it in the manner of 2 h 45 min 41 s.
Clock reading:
11 h 10 min 00 s
